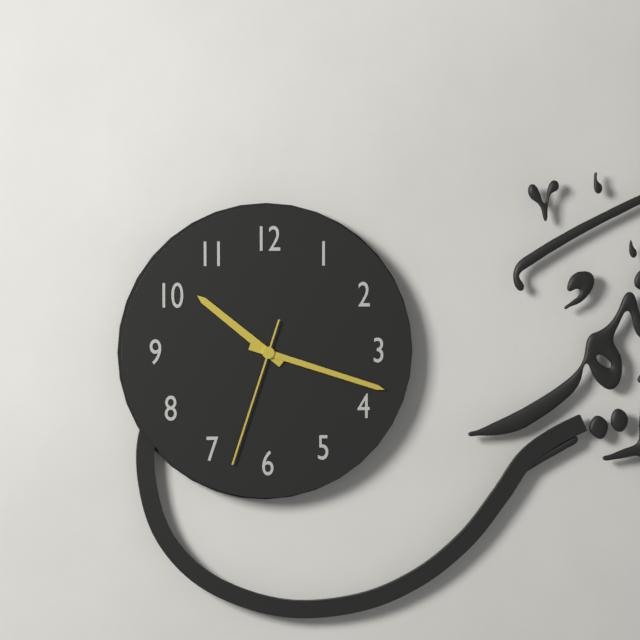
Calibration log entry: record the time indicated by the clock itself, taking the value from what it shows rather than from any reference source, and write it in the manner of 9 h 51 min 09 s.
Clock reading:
10 h 18 min 33 s
